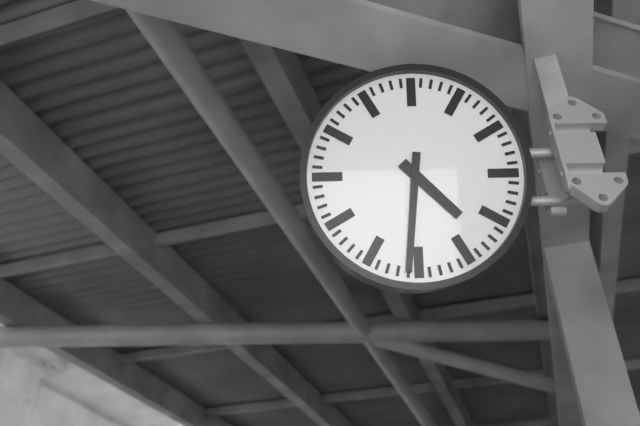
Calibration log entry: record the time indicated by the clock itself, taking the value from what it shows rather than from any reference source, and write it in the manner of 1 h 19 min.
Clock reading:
4 h 31 min
